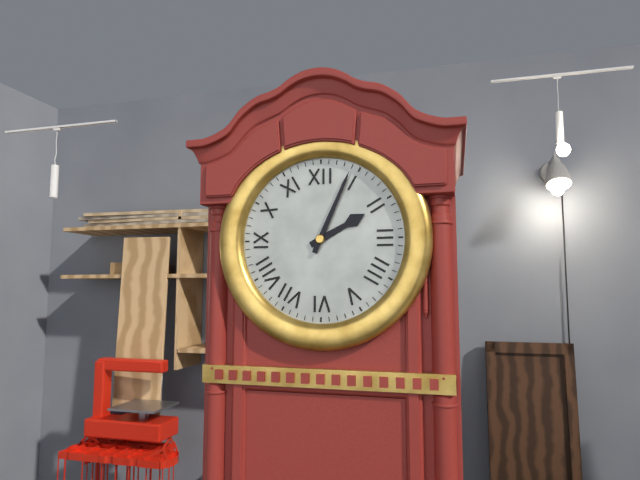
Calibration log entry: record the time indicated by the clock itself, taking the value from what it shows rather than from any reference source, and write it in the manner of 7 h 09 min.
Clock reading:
2 h 04 min
